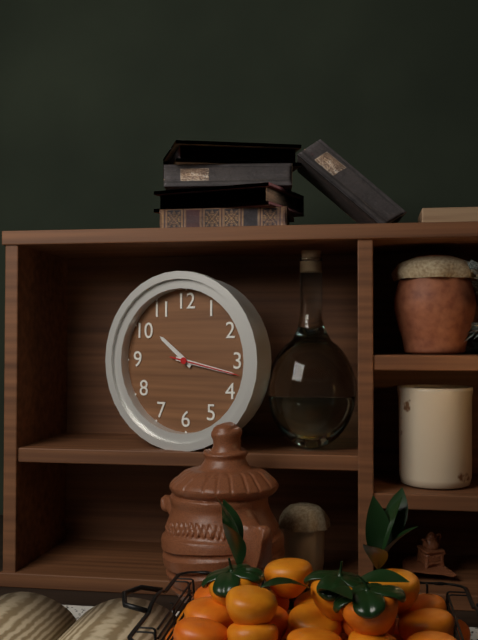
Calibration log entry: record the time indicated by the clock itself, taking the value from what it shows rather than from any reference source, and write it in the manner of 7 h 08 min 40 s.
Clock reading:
10 h 17 min 17 s
